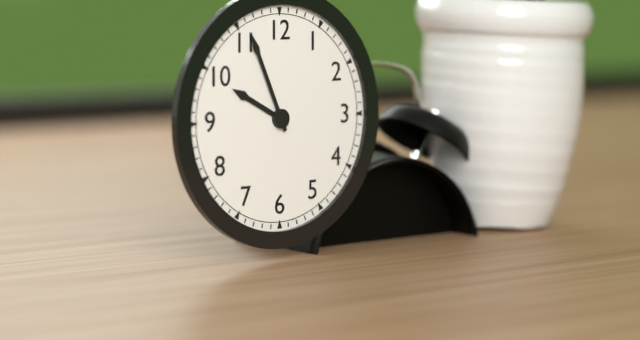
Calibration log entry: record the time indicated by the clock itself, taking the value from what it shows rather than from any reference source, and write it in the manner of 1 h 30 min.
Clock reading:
9 h 56 min
